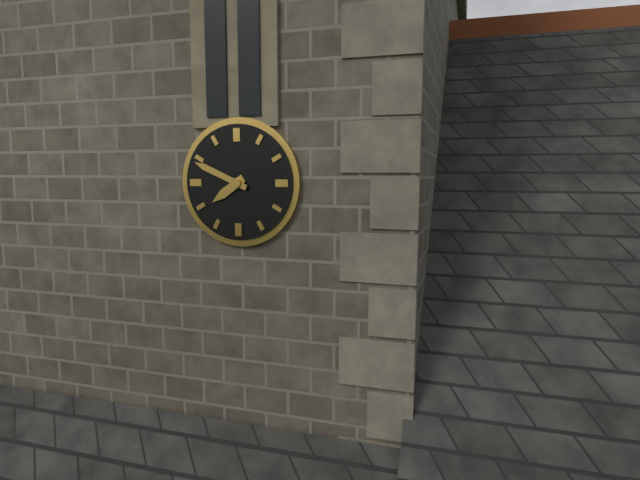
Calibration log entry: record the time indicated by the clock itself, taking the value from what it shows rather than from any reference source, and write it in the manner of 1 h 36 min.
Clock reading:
7 h 49 min
